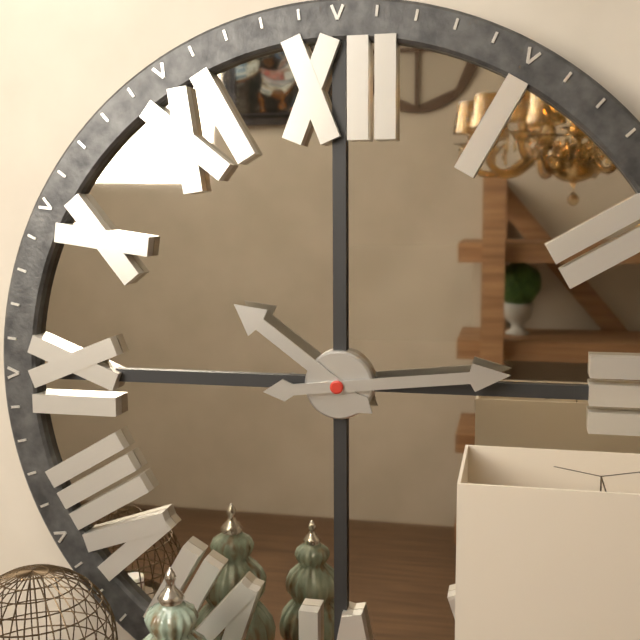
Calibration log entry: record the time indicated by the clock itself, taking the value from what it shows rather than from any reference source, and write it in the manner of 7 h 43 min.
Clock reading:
10 h 14 min
